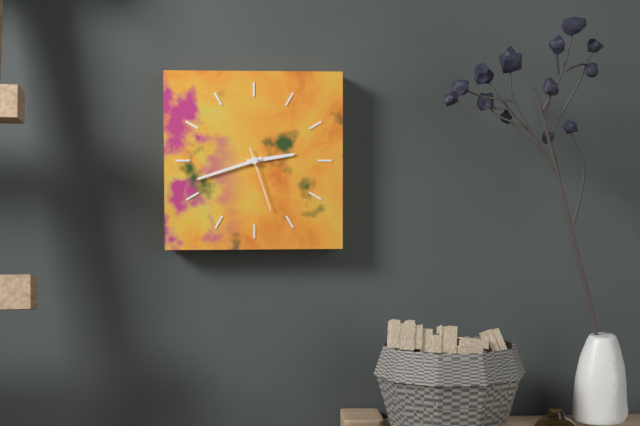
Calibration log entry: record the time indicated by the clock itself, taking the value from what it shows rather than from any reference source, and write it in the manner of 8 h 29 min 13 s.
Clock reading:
2 h 42 min 27 s
